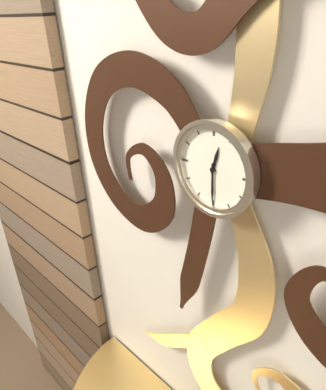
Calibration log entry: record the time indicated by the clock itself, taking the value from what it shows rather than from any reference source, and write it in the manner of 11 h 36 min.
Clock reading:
12 h 30 min
